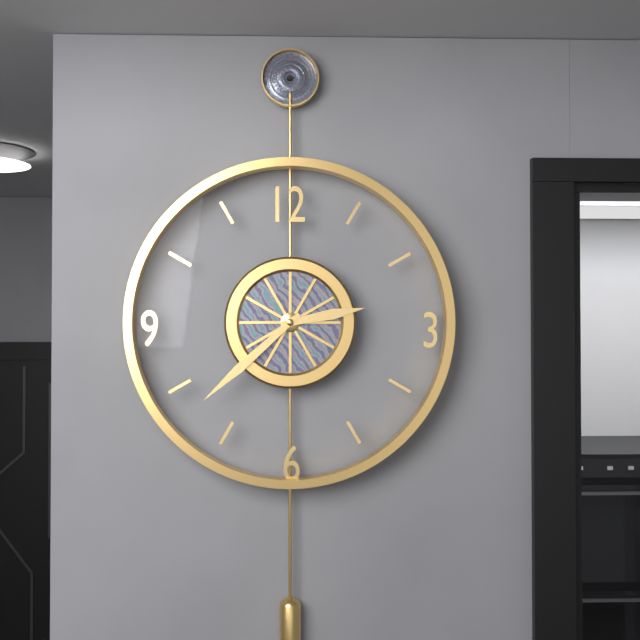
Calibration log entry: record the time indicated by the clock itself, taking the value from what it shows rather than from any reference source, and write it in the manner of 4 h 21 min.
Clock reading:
2 h 38 min
